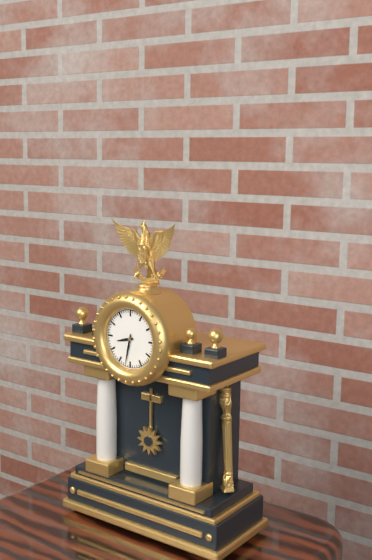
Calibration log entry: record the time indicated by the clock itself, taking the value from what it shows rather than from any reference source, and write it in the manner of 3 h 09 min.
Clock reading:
8 h 32 min
